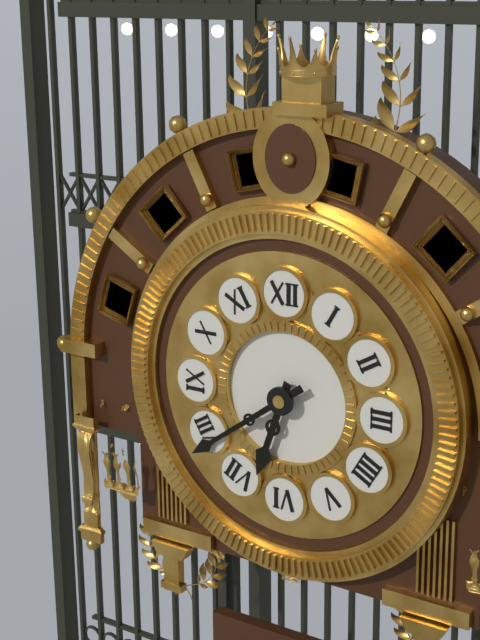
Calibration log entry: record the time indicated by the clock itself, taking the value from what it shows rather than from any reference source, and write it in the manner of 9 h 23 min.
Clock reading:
6 h 39 min
